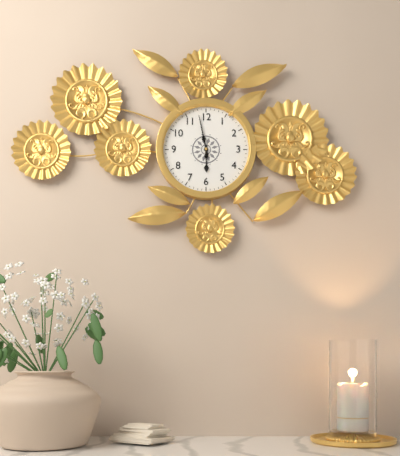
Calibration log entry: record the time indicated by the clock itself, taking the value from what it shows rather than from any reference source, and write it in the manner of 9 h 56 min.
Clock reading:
5 h 58 min
